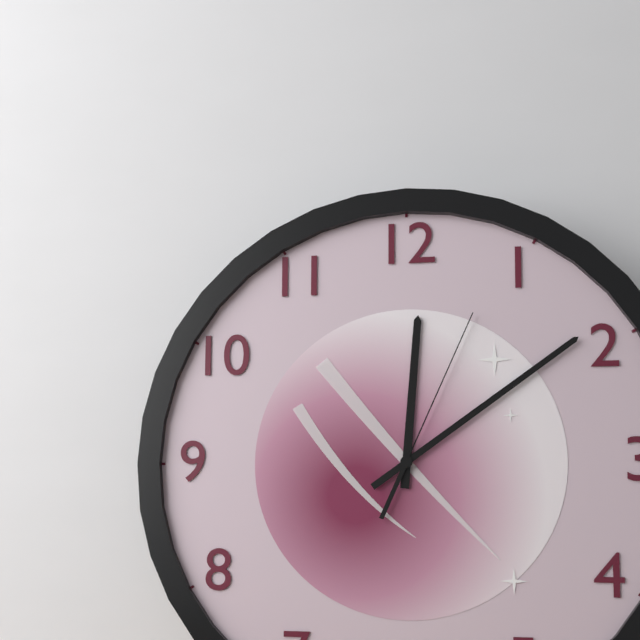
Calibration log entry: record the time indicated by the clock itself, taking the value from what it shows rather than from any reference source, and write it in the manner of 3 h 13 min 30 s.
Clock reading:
12 h 09 min 04 s
